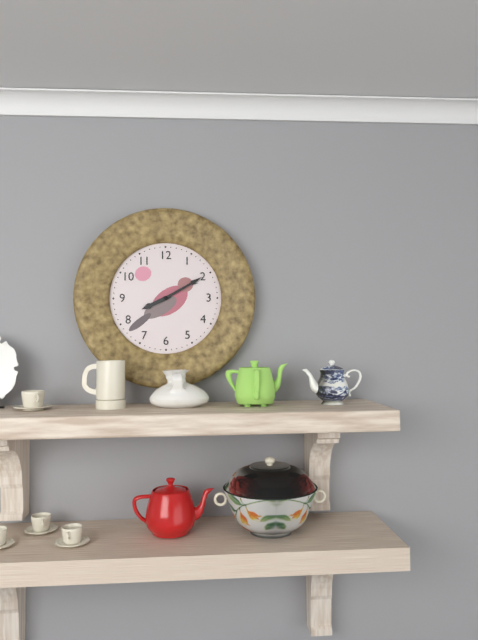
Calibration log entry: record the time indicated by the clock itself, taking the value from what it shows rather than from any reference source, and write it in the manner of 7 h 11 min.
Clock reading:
8 h 10 min
